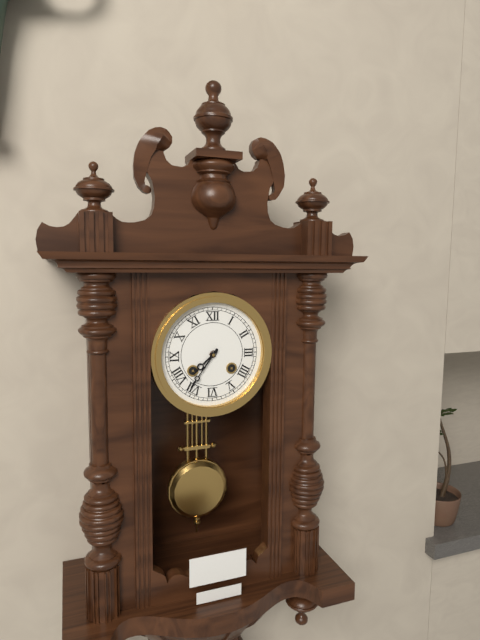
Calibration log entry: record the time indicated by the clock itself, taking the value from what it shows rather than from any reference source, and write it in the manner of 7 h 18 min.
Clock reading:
7 h 36 min
